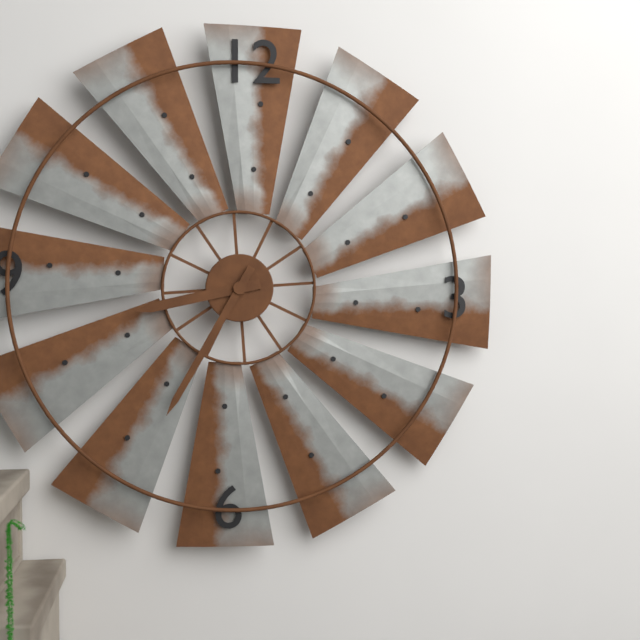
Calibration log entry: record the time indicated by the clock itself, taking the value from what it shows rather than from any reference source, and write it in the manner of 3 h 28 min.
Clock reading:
8 h 35 min
